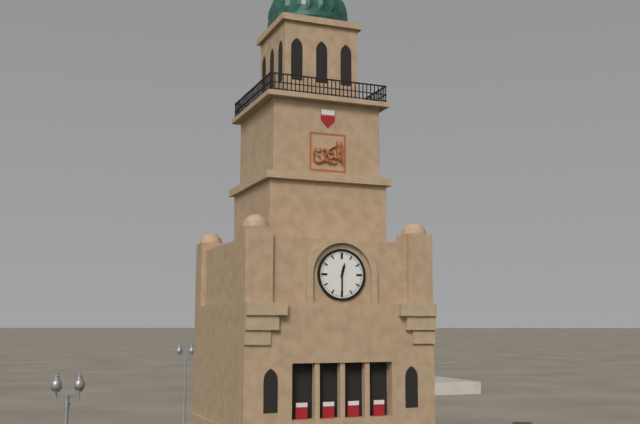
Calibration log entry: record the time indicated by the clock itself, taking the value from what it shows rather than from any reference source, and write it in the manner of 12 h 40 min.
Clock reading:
12 h 30 min
